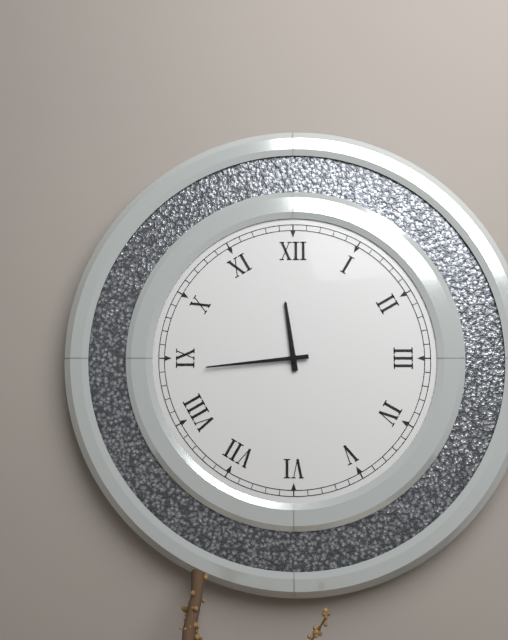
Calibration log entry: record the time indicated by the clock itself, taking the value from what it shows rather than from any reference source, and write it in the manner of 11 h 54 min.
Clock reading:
11 h 44 min
